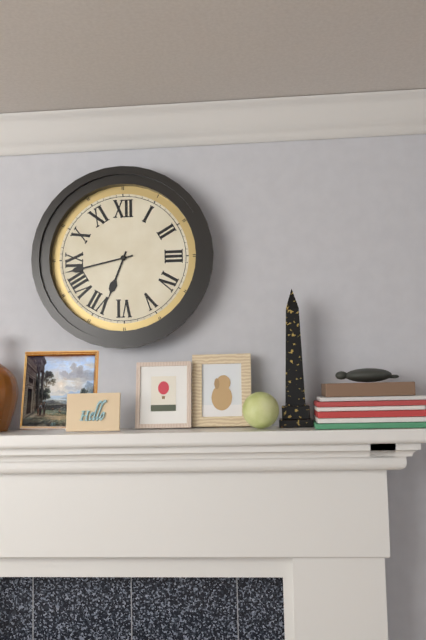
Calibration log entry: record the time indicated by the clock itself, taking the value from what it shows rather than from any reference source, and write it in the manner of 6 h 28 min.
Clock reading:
6 h 43 min
